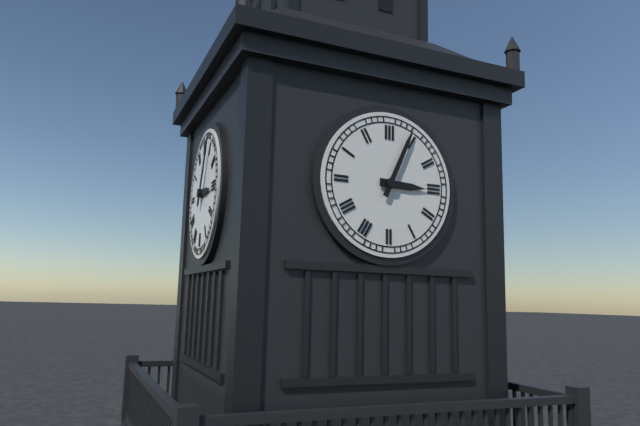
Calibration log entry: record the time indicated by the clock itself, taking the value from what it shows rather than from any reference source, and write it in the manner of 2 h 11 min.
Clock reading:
3 h 04 min
